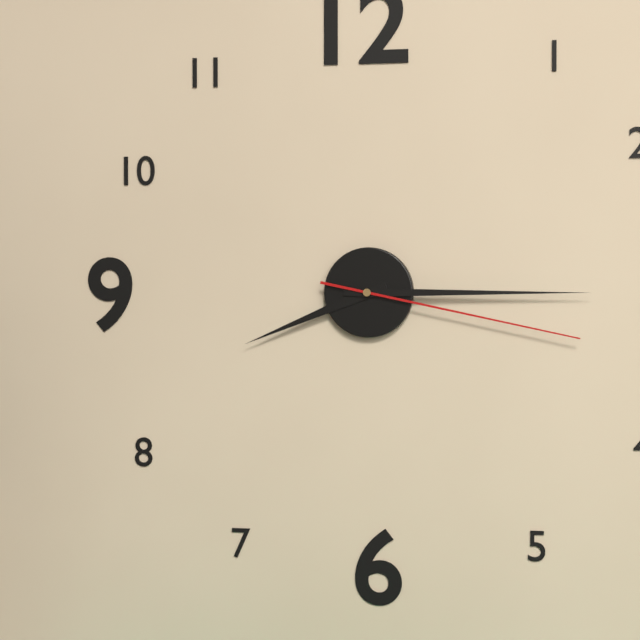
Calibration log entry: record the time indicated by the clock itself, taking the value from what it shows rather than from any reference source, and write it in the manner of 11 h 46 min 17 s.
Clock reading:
8 h 15 min 17 s
